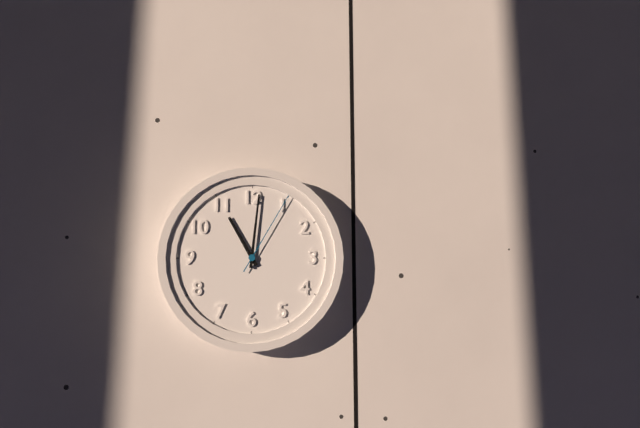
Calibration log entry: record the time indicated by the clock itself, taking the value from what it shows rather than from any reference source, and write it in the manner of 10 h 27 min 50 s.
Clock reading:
11 h 01 min 05 s
